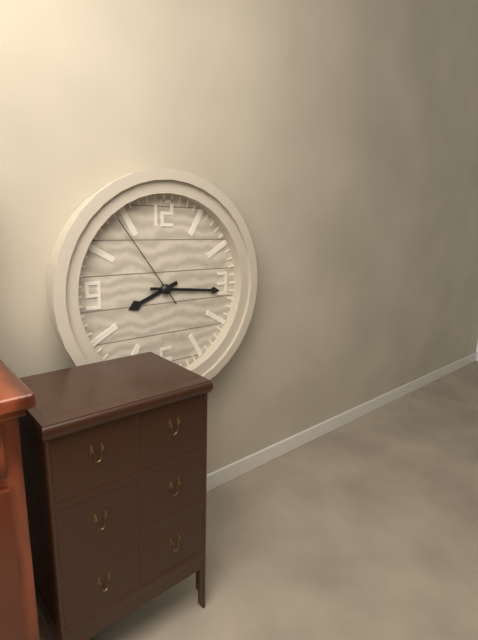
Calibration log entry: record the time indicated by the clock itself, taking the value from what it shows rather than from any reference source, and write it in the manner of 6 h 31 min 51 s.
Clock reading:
8 h 16 min 54 s
